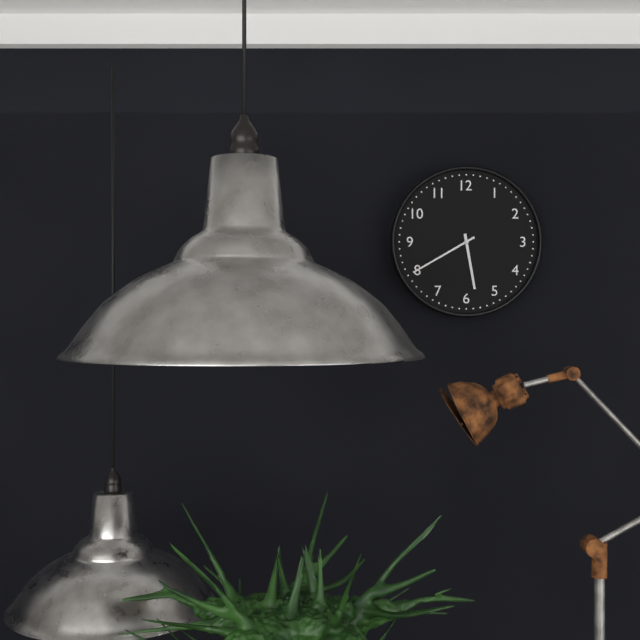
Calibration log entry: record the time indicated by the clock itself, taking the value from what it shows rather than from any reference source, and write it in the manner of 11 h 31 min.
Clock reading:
5 h 40 min
